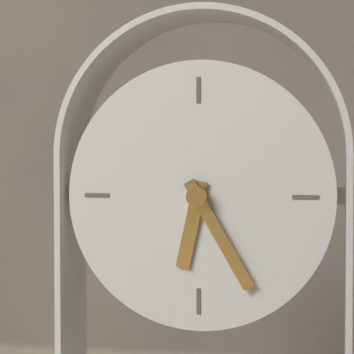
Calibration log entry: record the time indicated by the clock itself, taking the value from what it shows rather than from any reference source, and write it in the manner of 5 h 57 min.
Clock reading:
6 h 25 min
